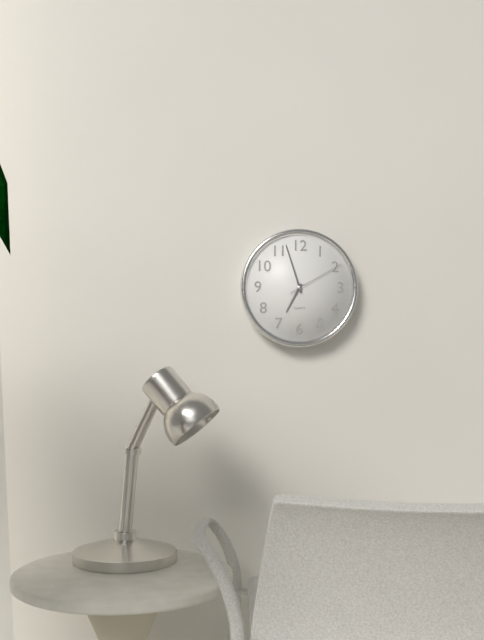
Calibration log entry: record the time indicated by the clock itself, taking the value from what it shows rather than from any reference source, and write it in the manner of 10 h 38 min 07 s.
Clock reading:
6 h 57 min 10 s
